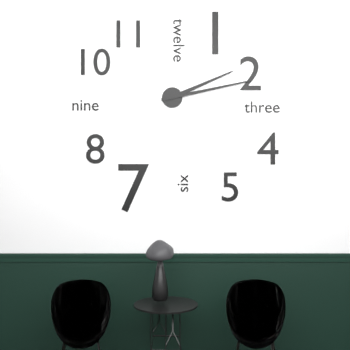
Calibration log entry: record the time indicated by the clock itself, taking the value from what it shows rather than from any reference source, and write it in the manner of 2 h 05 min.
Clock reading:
2 h 13 min
